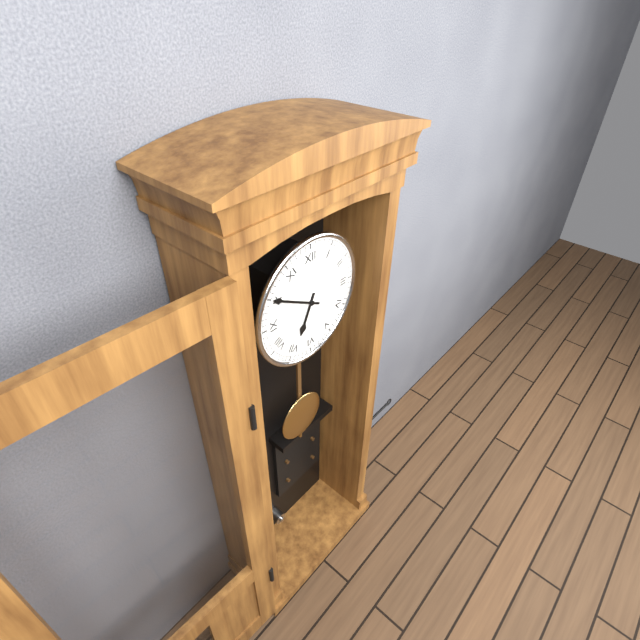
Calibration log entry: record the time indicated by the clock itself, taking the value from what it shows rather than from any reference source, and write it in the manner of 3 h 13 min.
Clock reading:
6 h 50 min
